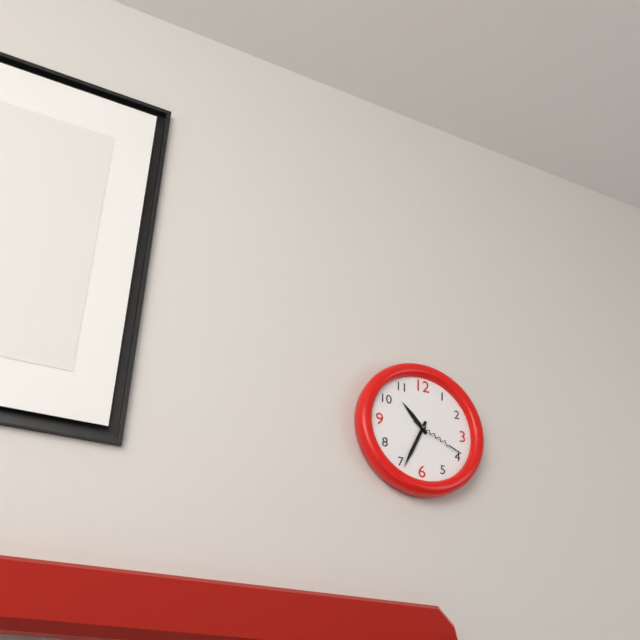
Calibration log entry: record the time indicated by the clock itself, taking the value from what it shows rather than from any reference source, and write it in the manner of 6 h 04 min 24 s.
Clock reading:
10 h 34 min 19 s
